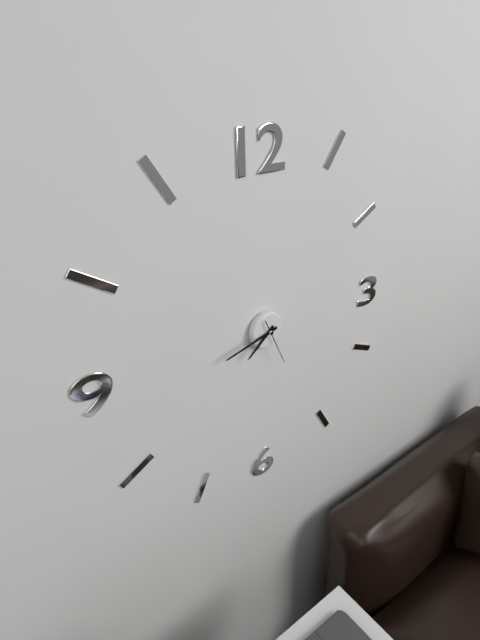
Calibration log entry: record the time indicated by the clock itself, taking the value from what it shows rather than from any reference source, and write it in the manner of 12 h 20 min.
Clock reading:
7 h 43 min
